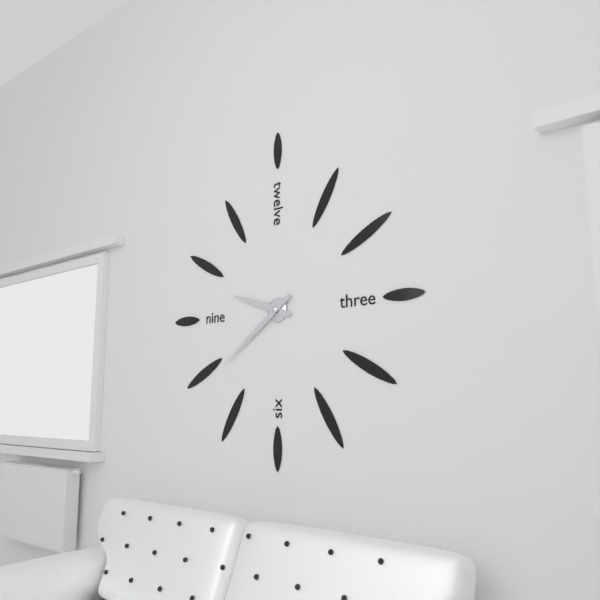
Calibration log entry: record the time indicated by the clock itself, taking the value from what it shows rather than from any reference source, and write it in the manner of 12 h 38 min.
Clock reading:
9 h 39 min
